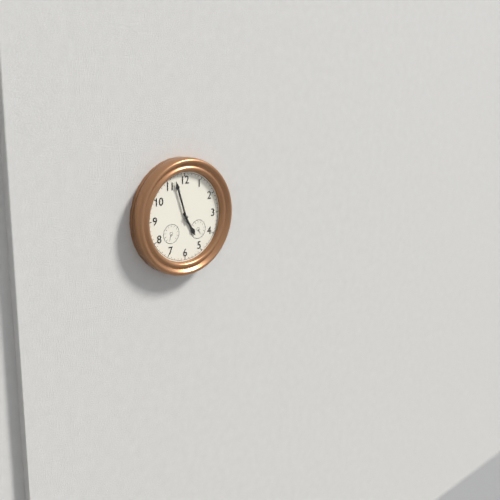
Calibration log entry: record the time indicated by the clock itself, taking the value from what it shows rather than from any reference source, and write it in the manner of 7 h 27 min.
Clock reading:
4 h 57 min
